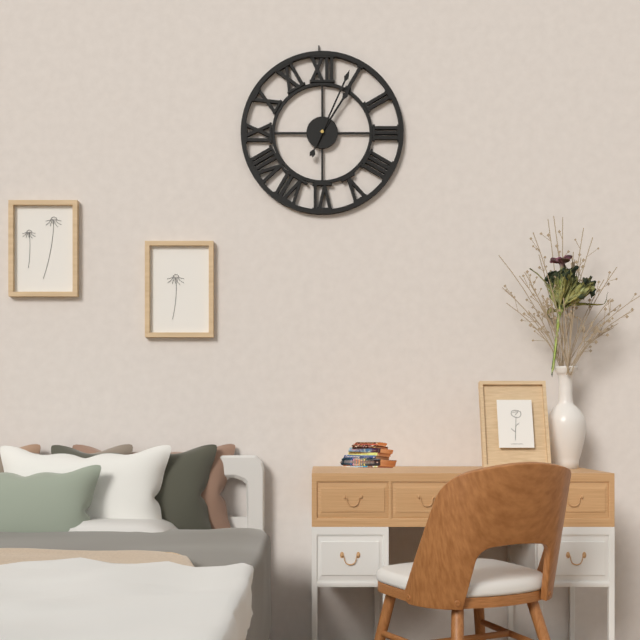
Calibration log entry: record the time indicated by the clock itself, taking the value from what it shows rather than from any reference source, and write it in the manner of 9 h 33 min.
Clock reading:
1 h 04 min
